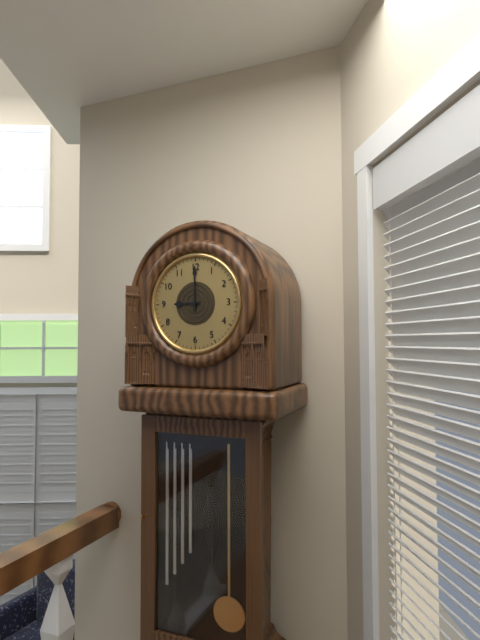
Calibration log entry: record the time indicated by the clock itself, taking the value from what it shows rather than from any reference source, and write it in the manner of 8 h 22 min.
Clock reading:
9 h 00 min
